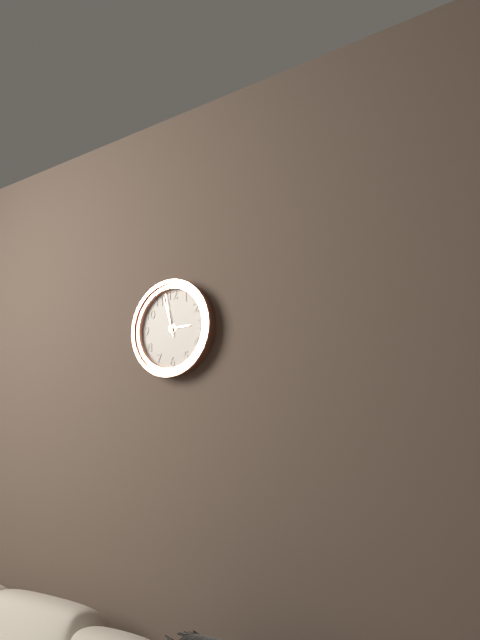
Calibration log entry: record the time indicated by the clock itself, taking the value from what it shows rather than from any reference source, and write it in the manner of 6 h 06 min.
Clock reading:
2 h 57 min
